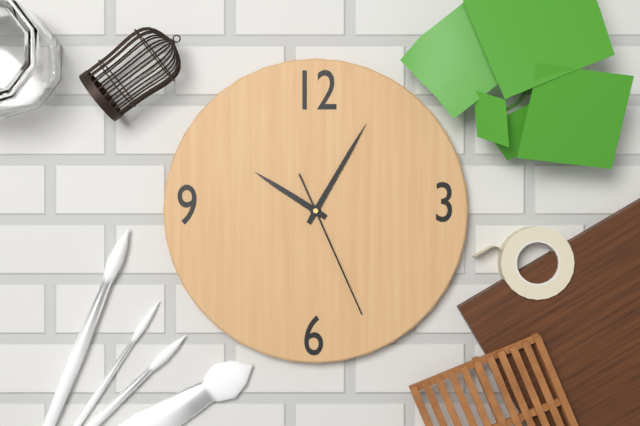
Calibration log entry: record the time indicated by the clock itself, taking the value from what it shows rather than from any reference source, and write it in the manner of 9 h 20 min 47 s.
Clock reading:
10 h 05 min 26 s
